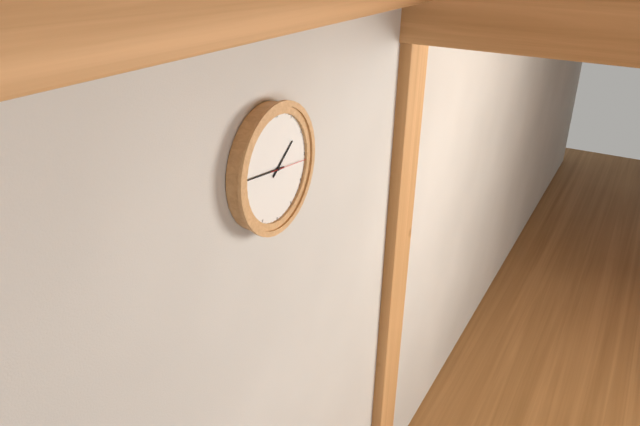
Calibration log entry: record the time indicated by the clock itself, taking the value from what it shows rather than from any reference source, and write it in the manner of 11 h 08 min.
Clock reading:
1 h 46 min
